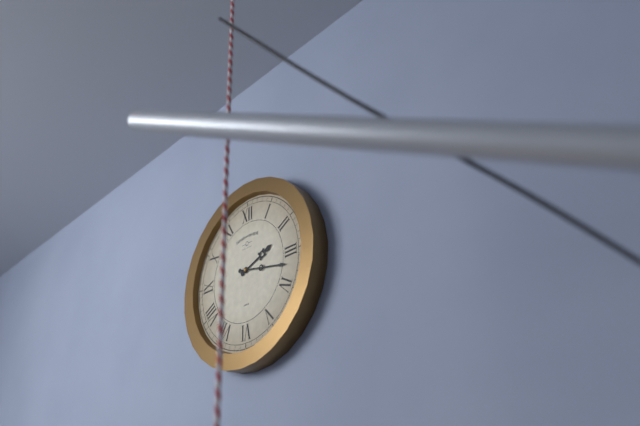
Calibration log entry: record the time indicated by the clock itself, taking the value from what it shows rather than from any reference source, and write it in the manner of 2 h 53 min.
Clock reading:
2 h 17 min
